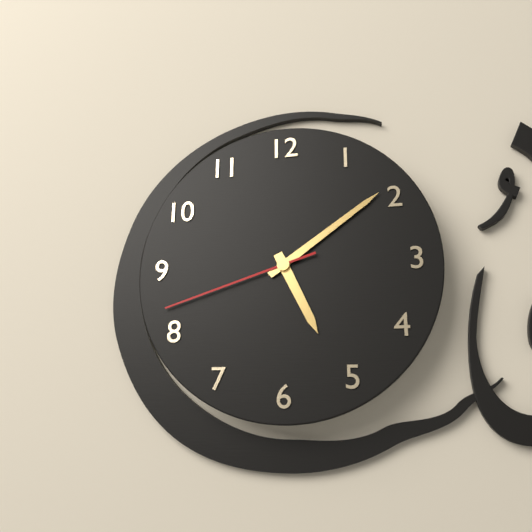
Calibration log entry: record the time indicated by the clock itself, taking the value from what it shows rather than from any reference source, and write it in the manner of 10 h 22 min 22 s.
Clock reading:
5 h 09 min 42 s
